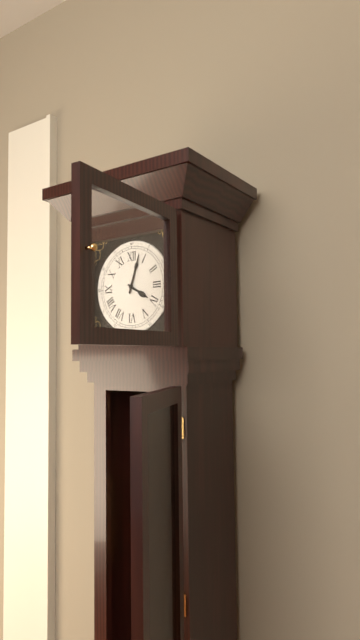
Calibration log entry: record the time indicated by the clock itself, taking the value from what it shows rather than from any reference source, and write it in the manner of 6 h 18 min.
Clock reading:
4 h 03 min
